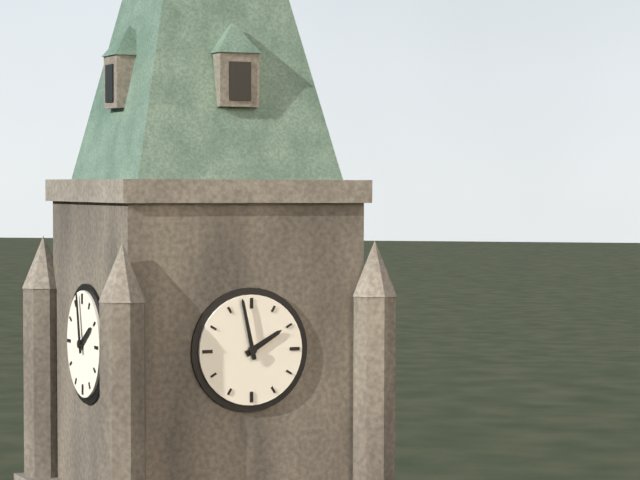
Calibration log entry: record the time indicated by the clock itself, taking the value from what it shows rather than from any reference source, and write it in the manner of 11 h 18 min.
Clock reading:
1 h 58 min
